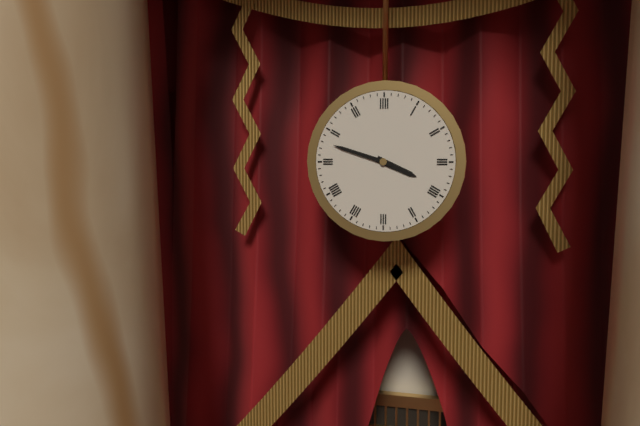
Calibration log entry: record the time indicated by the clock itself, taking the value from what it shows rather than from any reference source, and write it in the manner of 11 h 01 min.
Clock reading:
3 h 48 min
